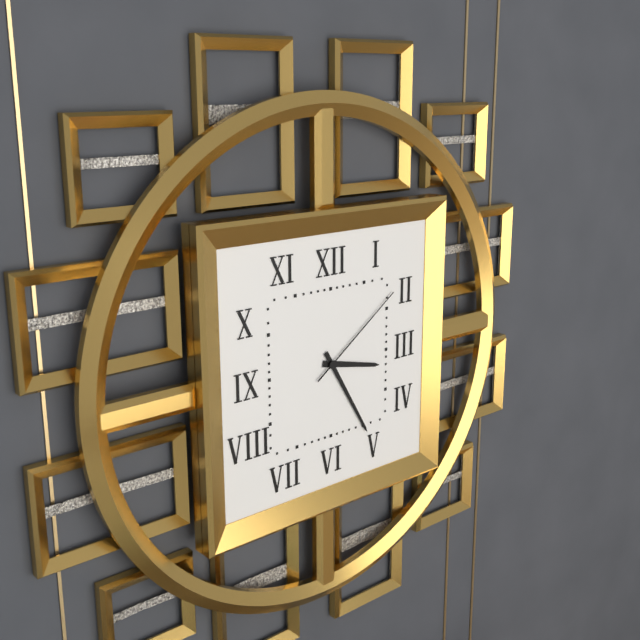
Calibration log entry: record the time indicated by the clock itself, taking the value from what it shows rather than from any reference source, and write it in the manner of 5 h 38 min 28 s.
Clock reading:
3 h 25 min 09 s
